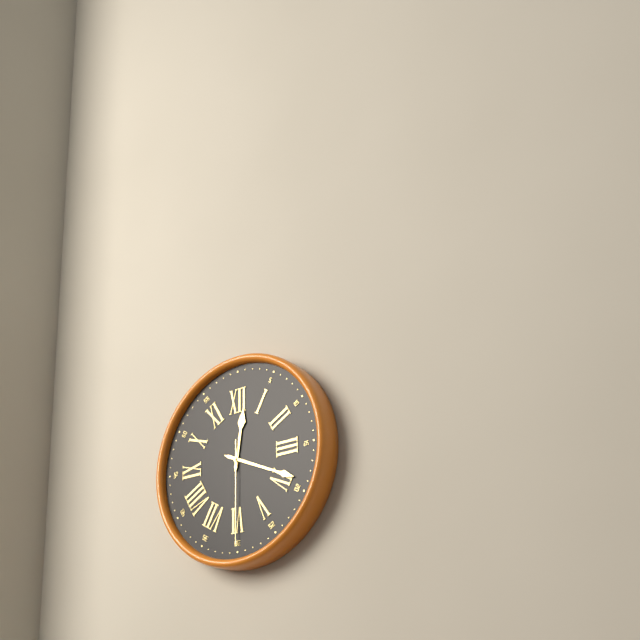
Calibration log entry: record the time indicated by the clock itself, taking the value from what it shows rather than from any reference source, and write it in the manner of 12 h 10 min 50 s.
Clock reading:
12 h 19 min 30 s
